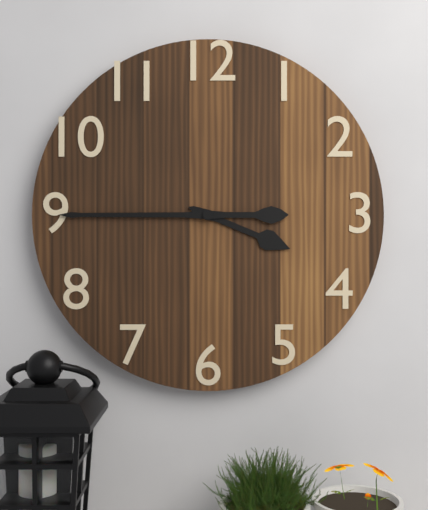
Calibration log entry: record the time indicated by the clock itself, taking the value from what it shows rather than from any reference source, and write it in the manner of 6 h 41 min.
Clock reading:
3 h 45 min
